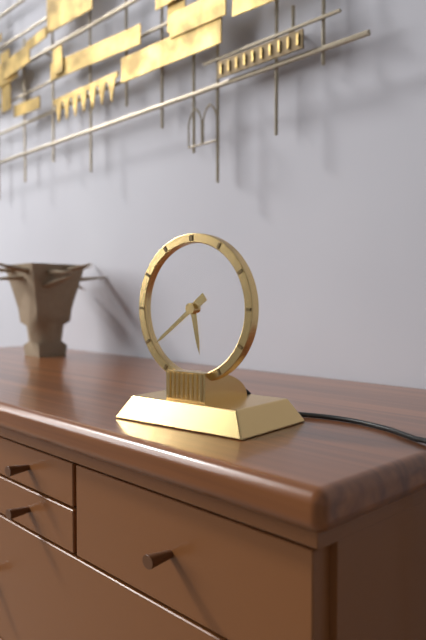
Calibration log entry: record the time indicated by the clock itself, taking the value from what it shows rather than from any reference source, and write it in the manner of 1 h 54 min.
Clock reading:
5 h 39 min
